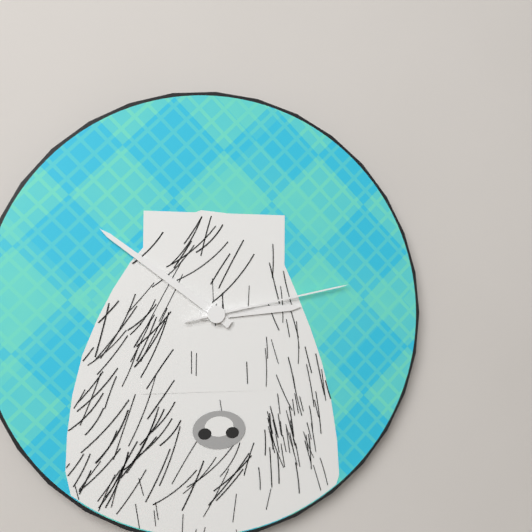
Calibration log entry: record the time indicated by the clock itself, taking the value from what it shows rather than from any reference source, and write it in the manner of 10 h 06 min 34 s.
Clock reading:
2 h 51 min 13 s
